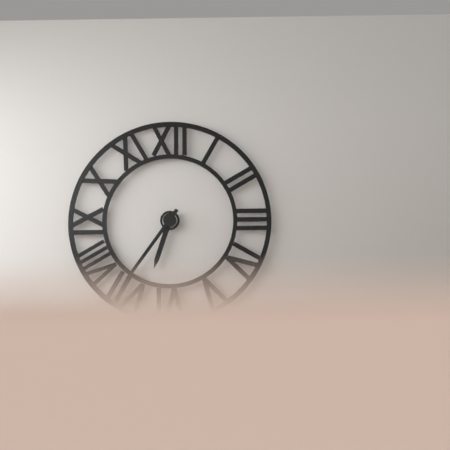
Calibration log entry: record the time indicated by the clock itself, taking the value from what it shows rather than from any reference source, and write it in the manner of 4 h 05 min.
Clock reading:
6 h 36 min
